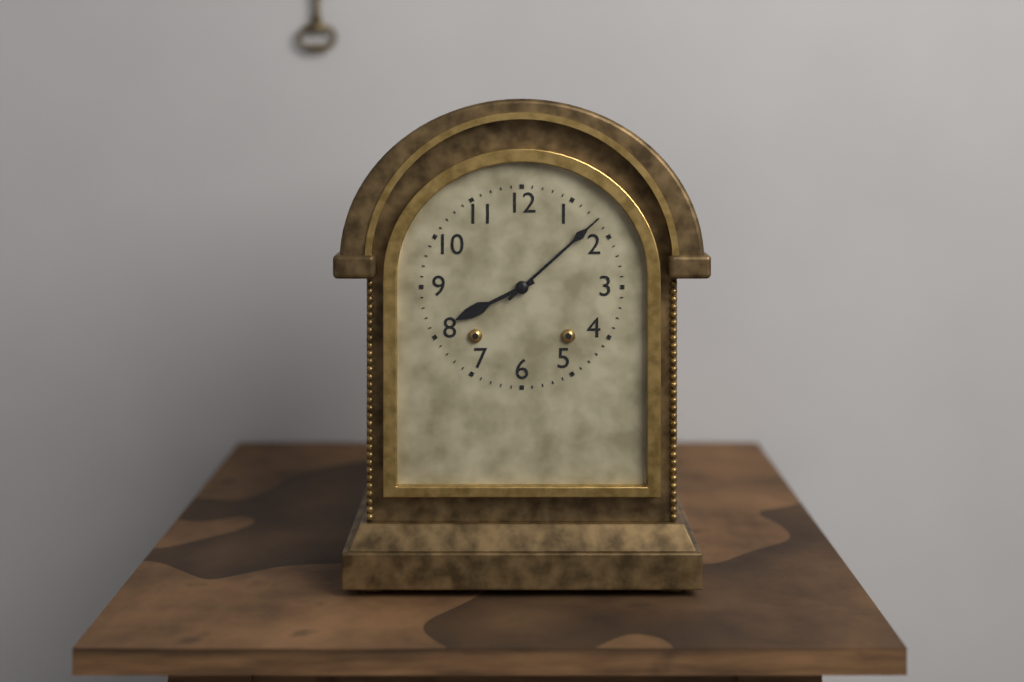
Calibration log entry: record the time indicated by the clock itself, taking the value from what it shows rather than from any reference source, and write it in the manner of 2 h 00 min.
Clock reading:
8 h 08 min
